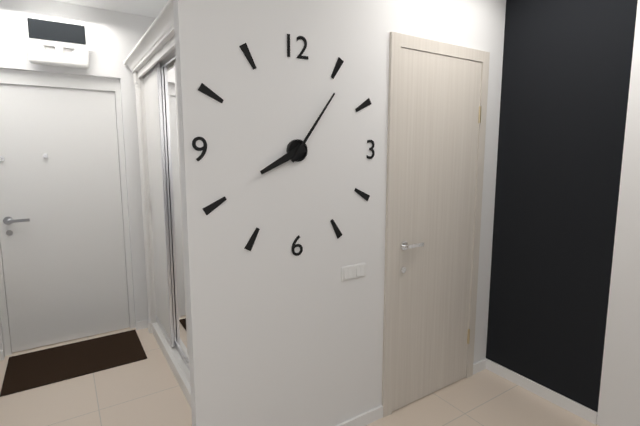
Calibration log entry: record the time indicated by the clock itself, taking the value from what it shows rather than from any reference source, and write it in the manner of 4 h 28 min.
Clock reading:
8 h 06 min
